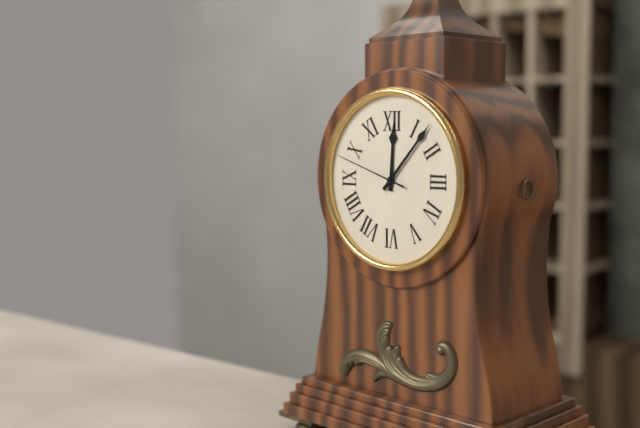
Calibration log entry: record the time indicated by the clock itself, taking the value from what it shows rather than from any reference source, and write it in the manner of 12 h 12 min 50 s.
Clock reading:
12 h 07 min 48 s
